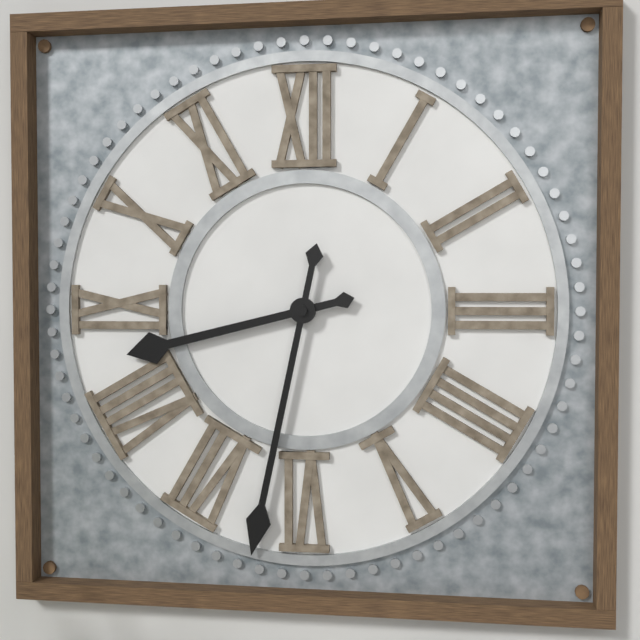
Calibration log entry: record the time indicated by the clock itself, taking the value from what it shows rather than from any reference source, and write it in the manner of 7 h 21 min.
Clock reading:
8 h 32 min
